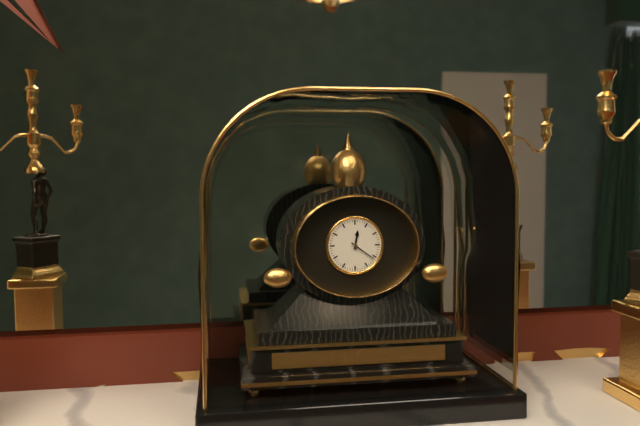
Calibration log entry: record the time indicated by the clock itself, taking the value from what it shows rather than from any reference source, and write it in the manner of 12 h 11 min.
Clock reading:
12 h 21 min
